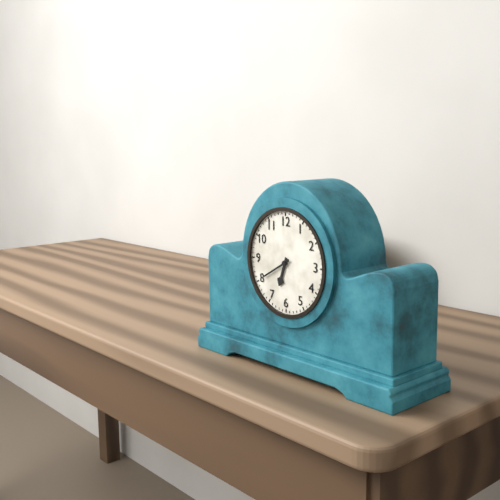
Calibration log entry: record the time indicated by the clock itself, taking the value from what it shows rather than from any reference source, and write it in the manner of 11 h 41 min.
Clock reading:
6 h 40 min
